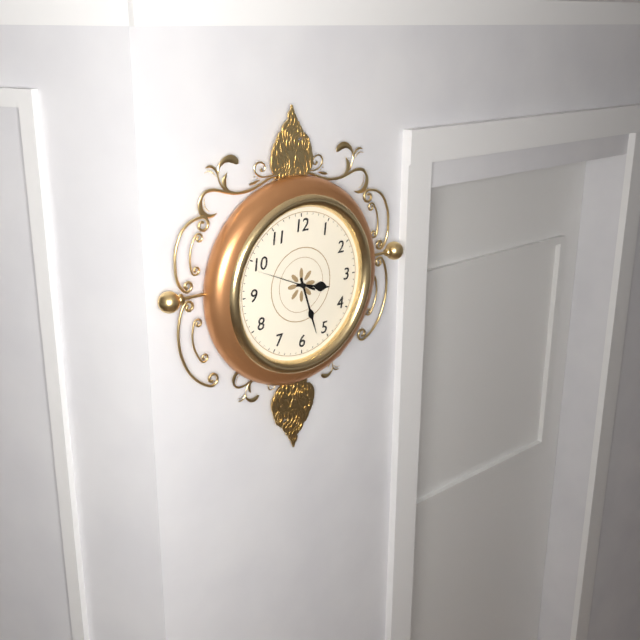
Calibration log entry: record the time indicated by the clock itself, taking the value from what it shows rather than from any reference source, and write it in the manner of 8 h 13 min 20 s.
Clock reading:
3 h 27 min 49 s
